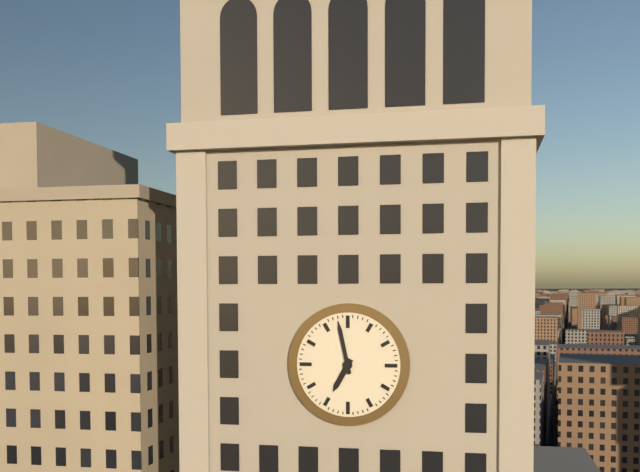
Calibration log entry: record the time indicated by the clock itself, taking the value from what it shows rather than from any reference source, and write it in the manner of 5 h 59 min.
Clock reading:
6 h 58 min
